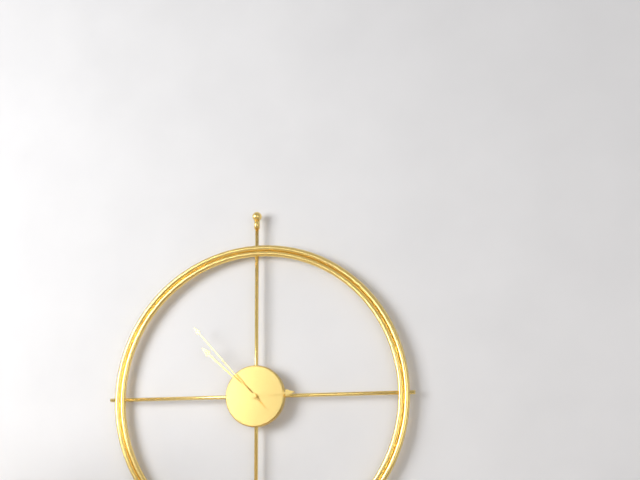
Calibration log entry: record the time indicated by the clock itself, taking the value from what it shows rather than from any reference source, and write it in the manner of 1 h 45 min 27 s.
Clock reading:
2 h 52 min 53 s
